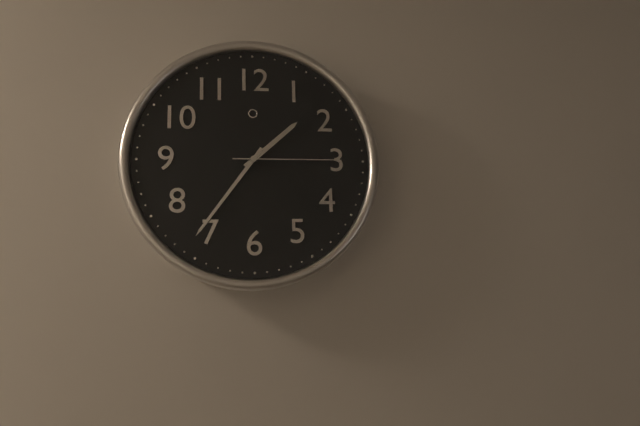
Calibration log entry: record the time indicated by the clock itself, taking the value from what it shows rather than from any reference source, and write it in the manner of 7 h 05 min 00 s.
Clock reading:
1 h 36 min 15 s
